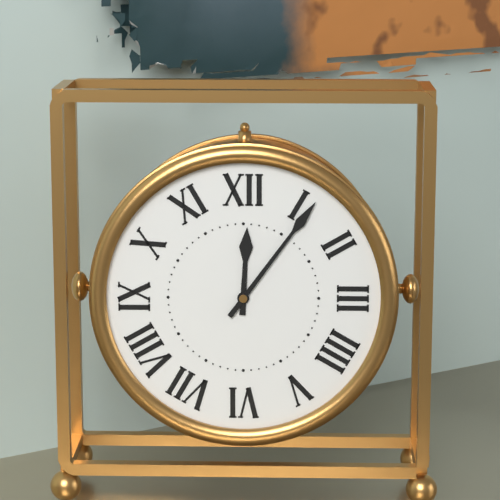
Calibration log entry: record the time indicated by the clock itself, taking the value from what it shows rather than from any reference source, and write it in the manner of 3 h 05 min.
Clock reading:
12 h 06 min
